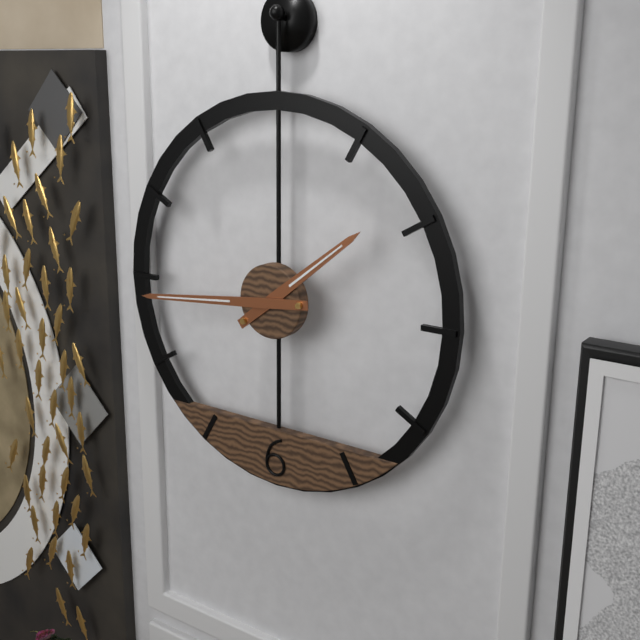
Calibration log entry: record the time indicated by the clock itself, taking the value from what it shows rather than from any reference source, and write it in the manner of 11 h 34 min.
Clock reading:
1 h 44 min
